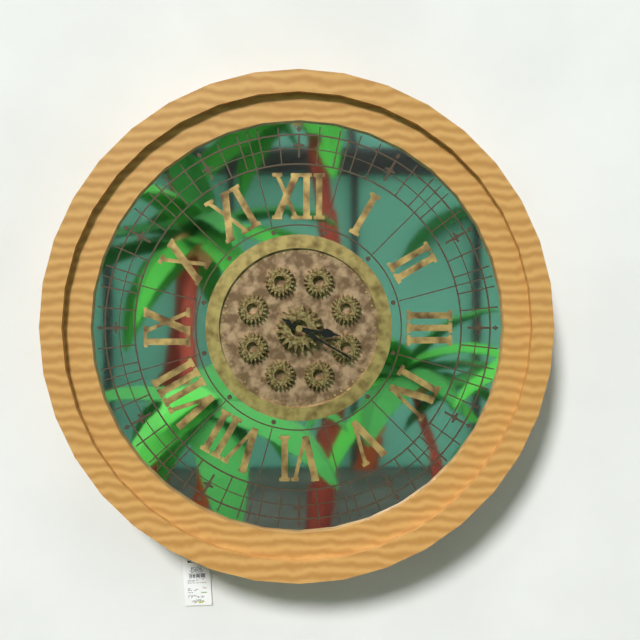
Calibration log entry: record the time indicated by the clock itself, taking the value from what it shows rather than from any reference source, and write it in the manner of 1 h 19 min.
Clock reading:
3 h 20 min
